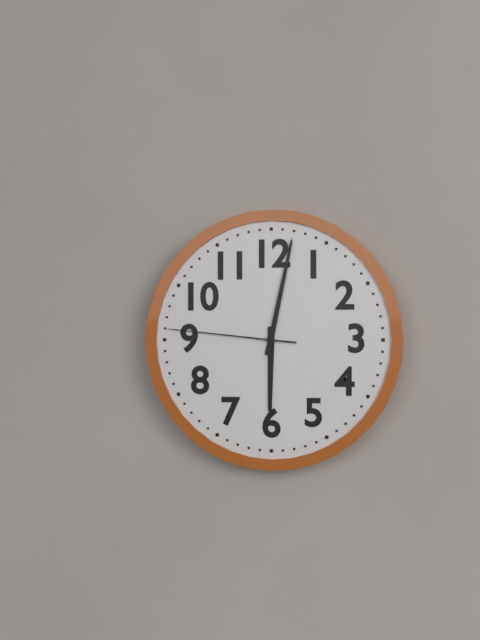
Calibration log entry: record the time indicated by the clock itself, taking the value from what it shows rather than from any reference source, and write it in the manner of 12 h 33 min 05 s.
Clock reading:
6 h 02 min 46 s
